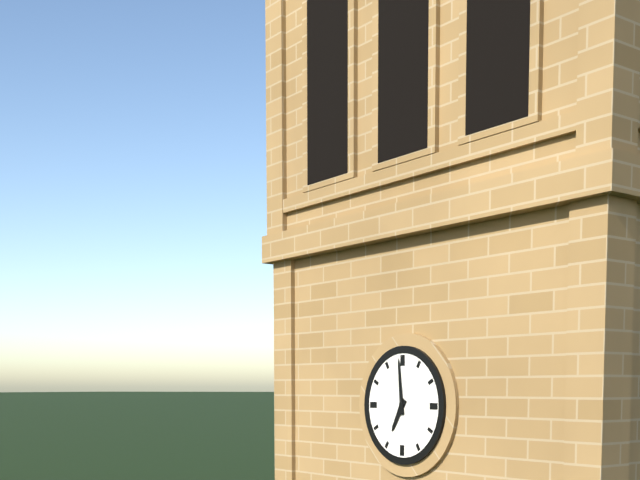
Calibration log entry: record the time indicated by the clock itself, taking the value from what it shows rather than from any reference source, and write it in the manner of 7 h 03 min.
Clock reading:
6 h 59 min
